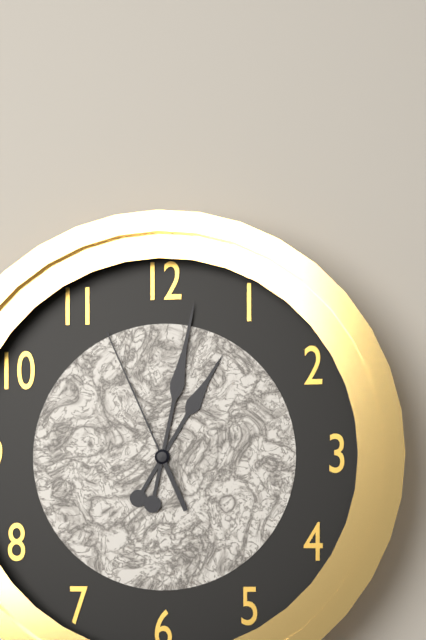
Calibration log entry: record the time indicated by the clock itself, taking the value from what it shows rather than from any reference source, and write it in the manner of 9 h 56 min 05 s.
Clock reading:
1 h 02 min 56 s
